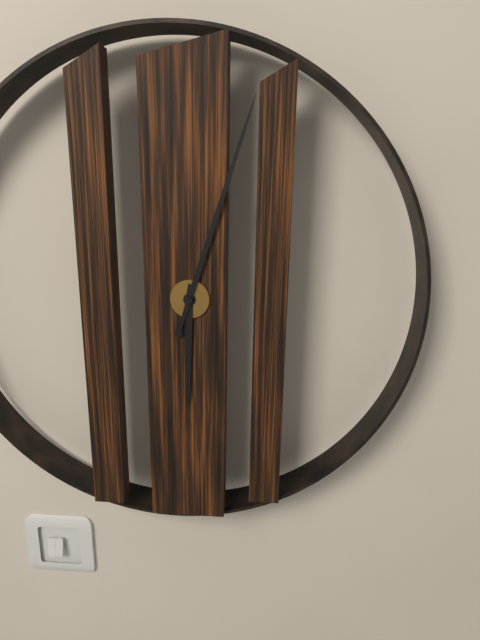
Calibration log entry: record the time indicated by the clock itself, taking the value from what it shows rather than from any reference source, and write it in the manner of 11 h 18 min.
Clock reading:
6 h 03 min
